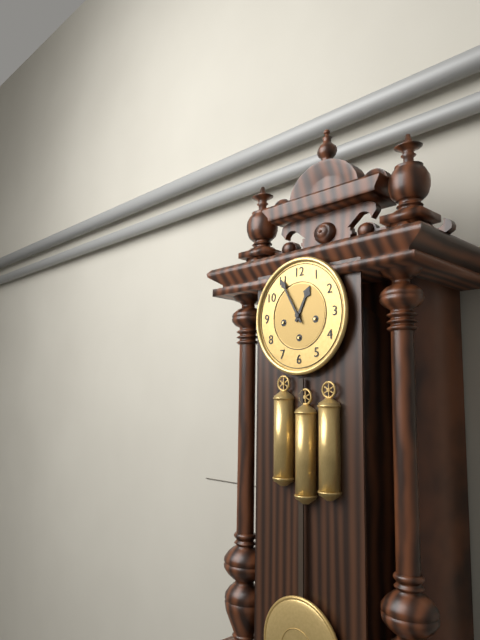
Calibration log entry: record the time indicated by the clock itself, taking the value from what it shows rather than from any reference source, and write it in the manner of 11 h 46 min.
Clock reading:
12 h 55 min
